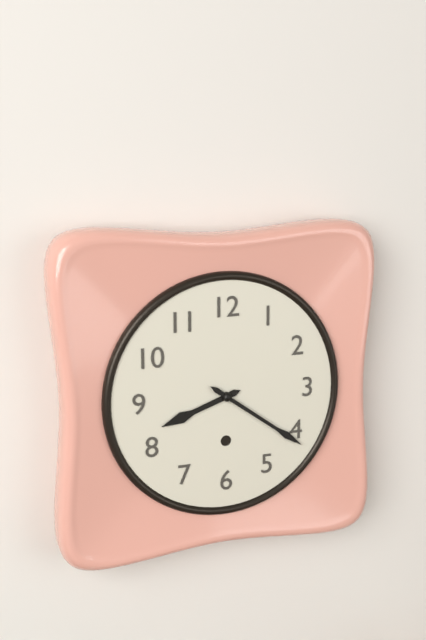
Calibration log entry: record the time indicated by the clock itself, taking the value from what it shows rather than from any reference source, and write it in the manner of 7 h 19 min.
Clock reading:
8 h 21 min
